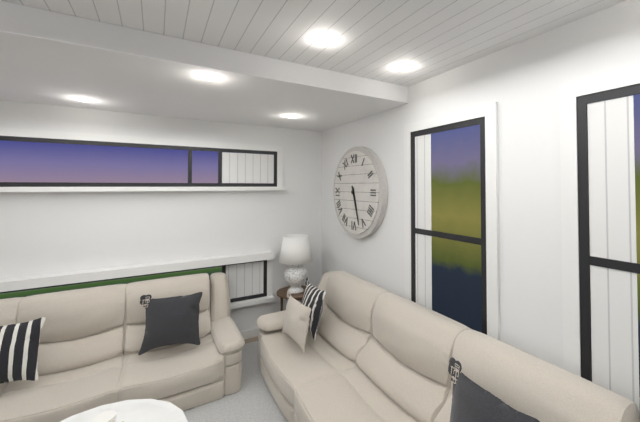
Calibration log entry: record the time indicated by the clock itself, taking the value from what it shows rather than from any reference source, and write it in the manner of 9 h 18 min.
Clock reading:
5 h 27 min
